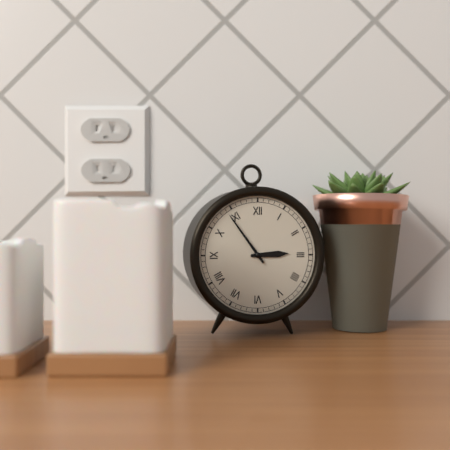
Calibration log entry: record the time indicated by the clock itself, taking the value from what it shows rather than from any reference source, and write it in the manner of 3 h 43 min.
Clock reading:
2 h 54 min
